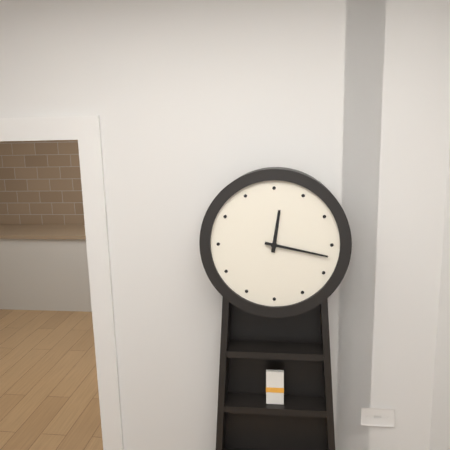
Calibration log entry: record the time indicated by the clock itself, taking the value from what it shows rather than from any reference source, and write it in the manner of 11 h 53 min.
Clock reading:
12 h 17 min
